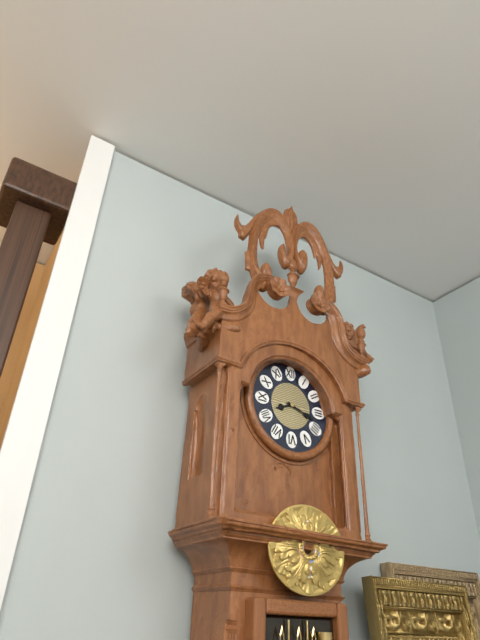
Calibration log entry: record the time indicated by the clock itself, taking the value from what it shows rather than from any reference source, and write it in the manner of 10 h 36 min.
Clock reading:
8 h 18 min
